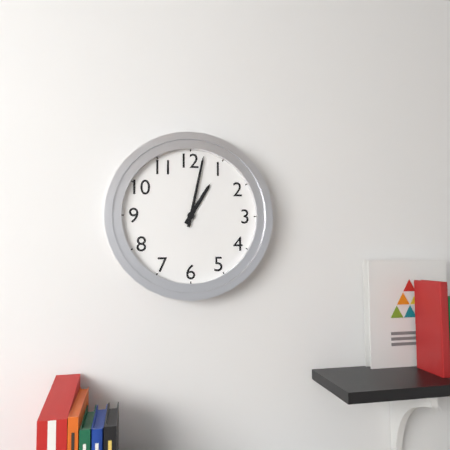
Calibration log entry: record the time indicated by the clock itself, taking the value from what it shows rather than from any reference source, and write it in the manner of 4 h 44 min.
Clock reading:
1 h 02 min
